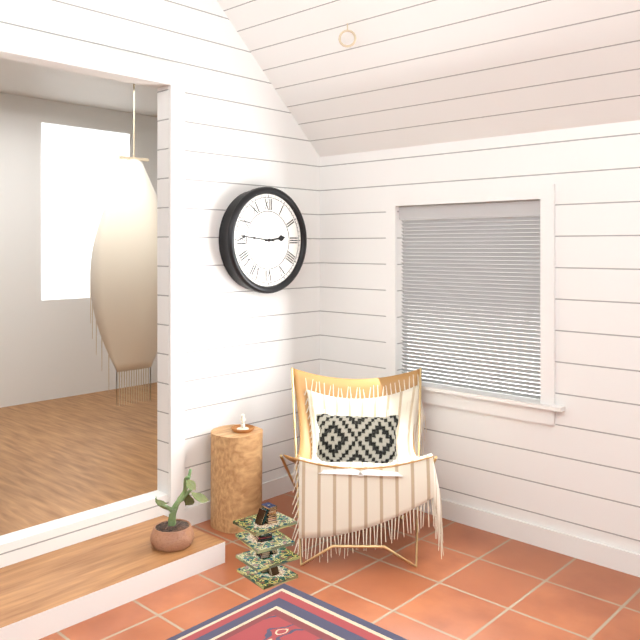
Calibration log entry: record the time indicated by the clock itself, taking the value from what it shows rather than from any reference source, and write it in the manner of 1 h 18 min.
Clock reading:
2 h 46 min
